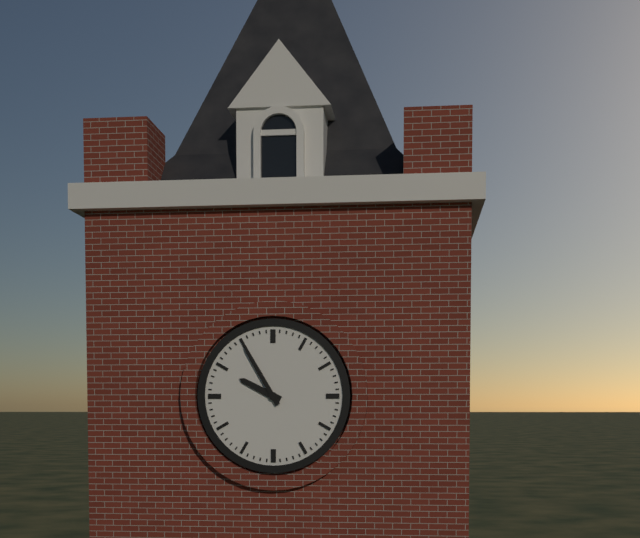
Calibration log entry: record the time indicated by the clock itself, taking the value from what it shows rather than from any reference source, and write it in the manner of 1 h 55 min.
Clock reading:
9 h 55 min
